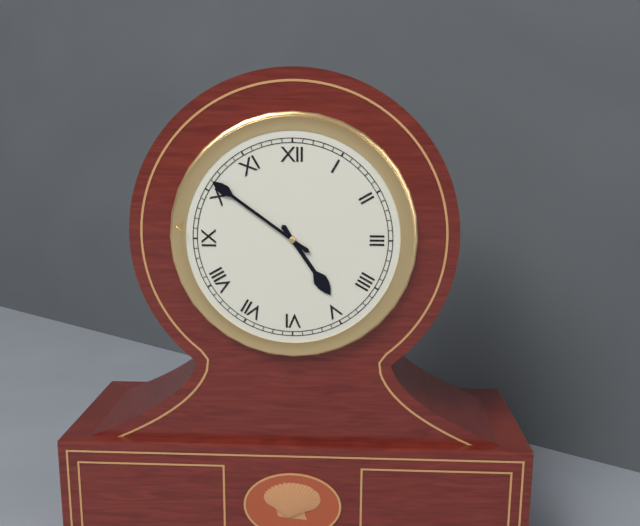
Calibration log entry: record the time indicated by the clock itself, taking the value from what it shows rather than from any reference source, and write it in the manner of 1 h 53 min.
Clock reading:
4 h 51 min
